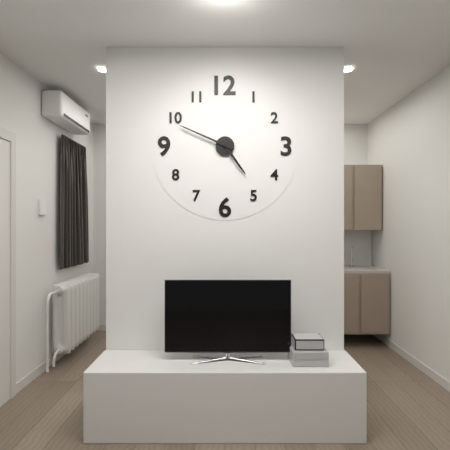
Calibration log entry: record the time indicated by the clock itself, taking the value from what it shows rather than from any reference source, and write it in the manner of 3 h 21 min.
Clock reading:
4 h 49 min
